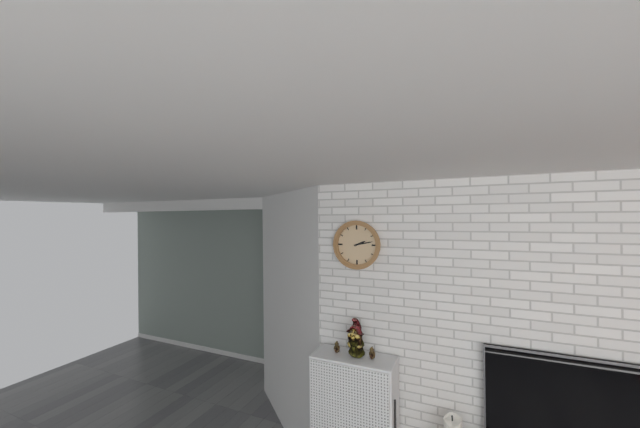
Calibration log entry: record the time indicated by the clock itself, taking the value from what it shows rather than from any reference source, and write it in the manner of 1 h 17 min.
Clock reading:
2 h 13 min
